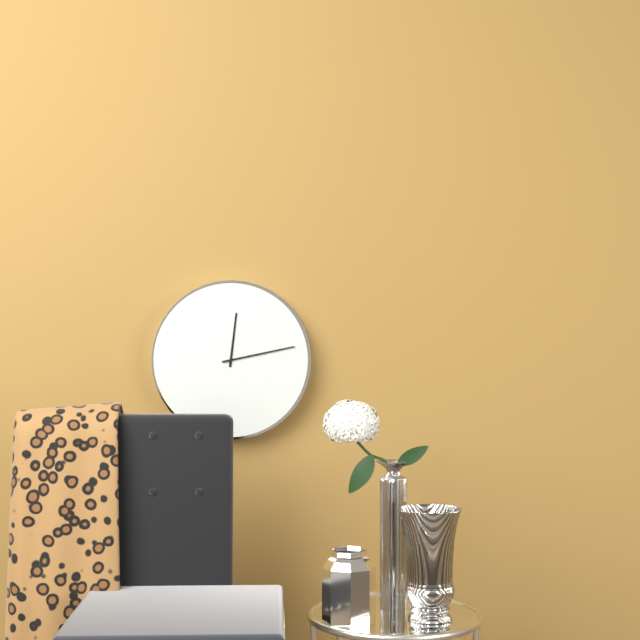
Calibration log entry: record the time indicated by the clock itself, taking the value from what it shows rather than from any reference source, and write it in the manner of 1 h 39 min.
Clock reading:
12 h 13 min
